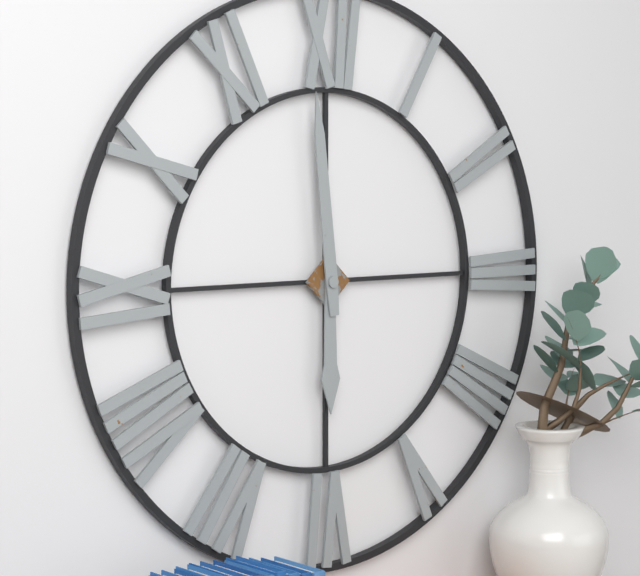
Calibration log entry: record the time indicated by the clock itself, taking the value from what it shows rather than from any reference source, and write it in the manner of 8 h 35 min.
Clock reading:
5 h 59 min
